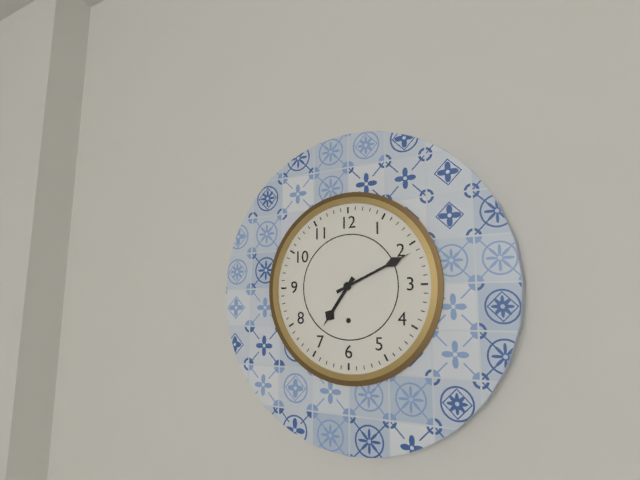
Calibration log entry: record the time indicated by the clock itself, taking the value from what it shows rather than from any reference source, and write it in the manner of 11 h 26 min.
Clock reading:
7 h 11 min
